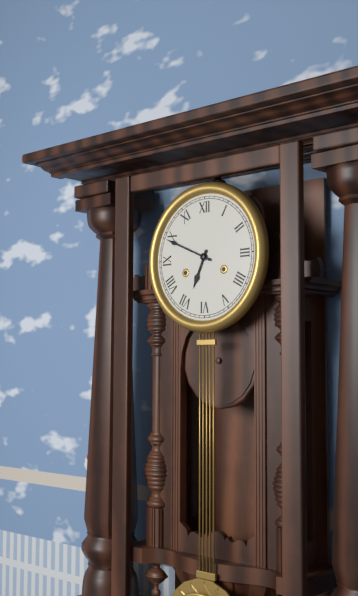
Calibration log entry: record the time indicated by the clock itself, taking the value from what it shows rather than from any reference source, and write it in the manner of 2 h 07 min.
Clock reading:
6 h 49 min
